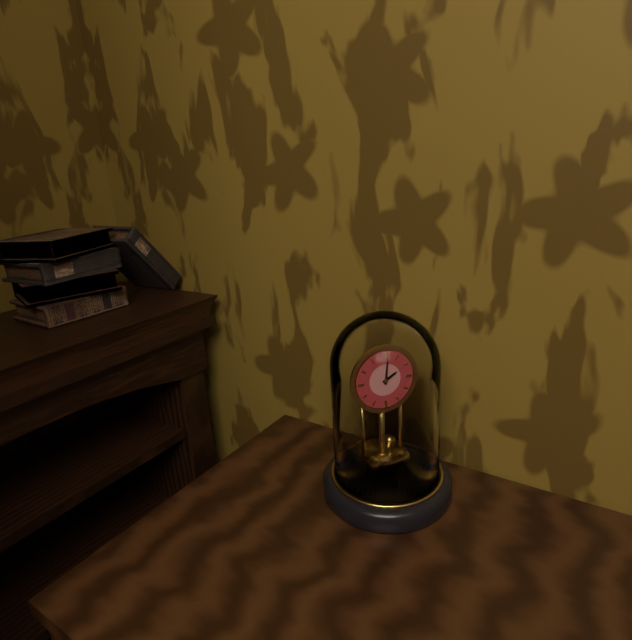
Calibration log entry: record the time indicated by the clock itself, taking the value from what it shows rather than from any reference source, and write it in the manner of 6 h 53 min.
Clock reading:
2 h 01 min
